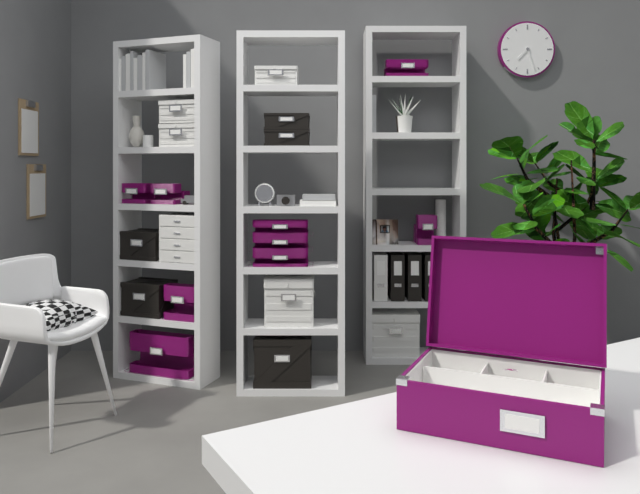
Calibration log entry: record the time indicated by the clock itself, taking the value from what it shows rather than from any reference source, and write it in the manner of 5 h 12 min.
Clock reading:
7 h 27 min
